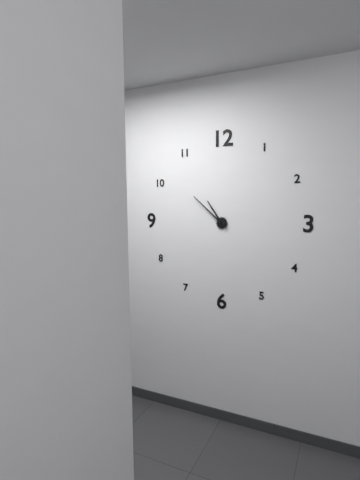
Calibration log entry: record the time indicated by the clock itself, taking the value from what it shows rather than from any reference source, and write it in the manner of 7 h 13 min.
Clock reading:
10 h 52 min
